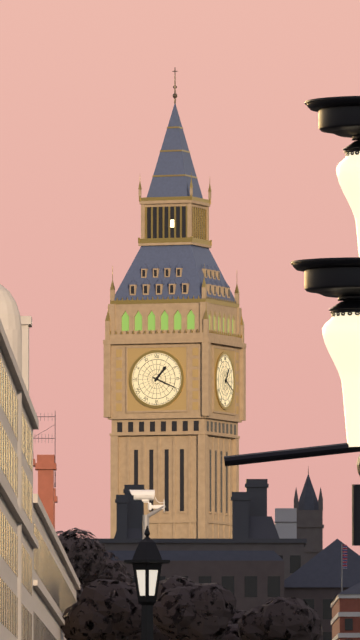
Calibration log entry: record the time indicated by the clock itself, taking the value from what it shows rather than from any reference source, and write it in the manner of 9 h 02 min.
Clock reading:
1 h 19 min
